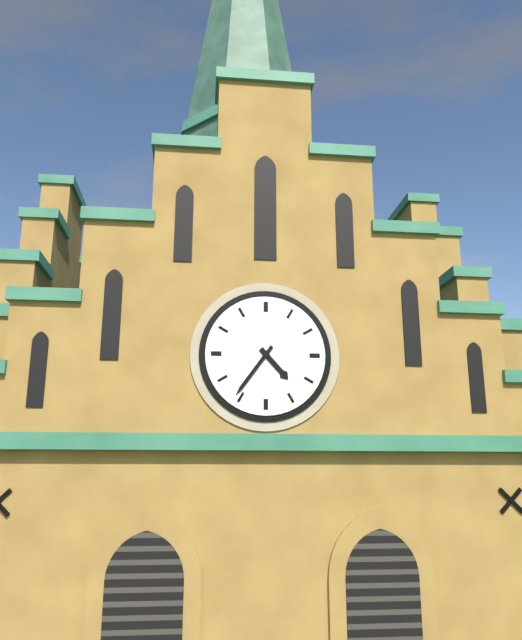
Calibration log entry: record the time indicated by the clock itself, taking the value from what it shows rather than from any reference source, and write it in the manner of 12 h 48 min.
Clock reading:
4 h 36 min
